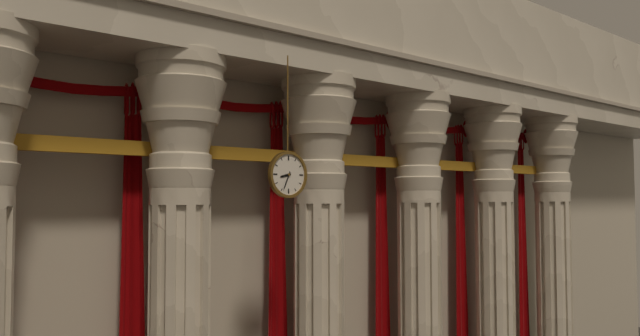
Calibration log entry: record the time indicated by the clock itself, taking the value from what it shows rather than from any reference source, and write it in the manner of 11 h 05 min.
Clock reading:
8 h 34 min
